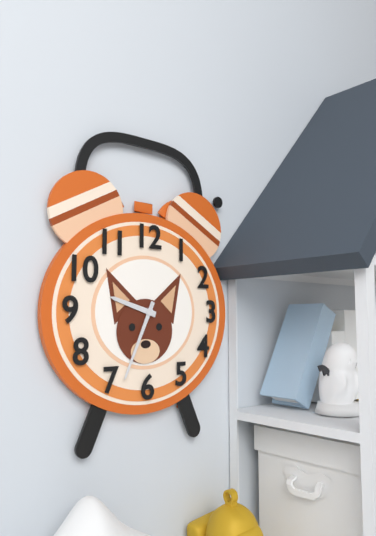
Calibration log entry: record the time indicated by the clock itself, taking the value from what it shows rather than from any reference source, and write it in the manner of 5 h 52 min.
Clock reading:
9 h 34 min
